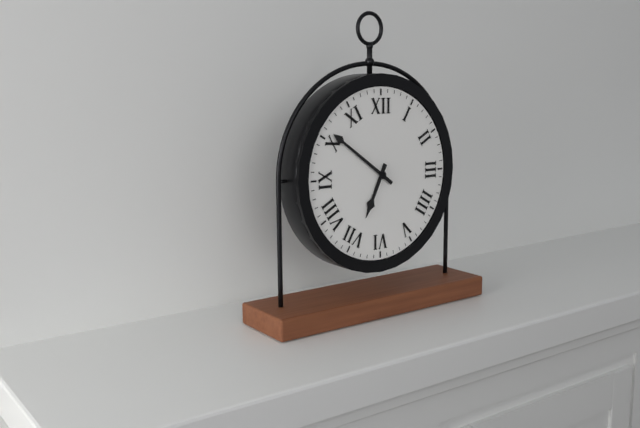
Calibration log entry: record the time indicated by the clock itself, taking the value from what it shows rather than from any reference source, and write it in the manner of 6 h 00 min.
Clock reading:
6 h 51 min
